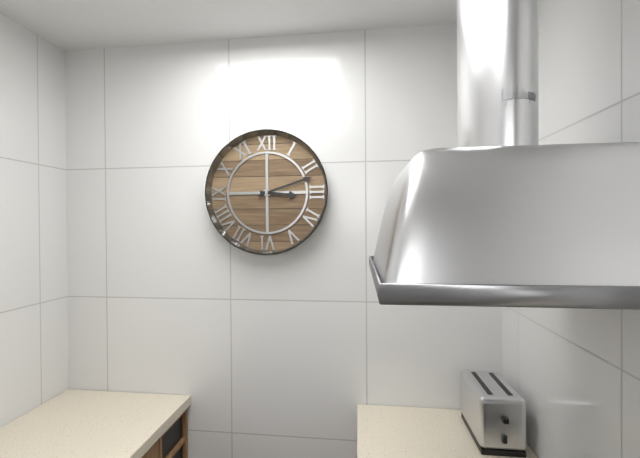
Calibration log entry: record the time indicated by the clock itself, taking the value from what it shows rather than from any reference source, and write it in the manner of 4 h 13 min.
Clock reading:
3 h 12 min
